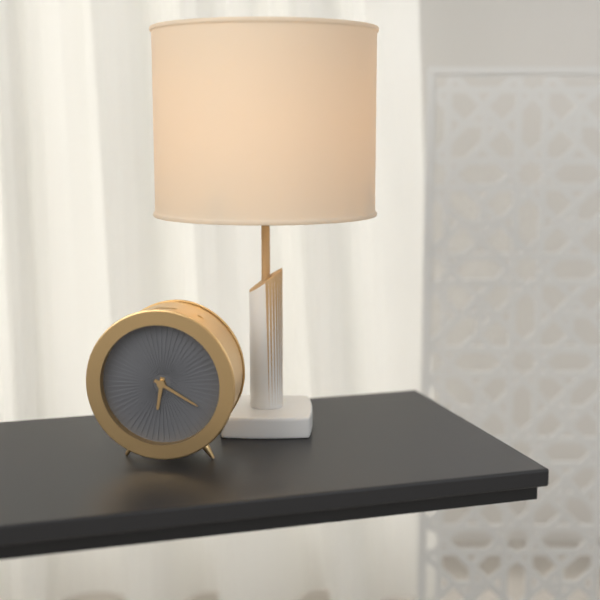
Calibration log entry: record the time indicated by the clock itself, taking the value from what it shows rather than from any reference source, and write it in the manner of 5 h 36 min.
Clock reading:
6 h 20 min
